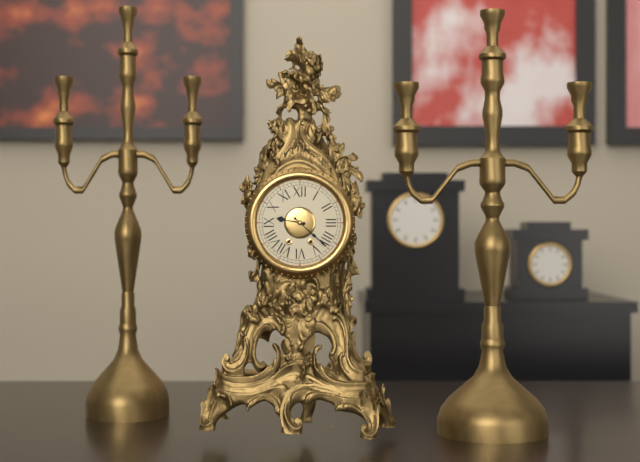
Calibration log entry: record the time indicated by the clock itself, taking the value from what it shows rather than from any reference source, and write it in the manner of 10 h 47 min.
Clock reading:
9 h 22 min
